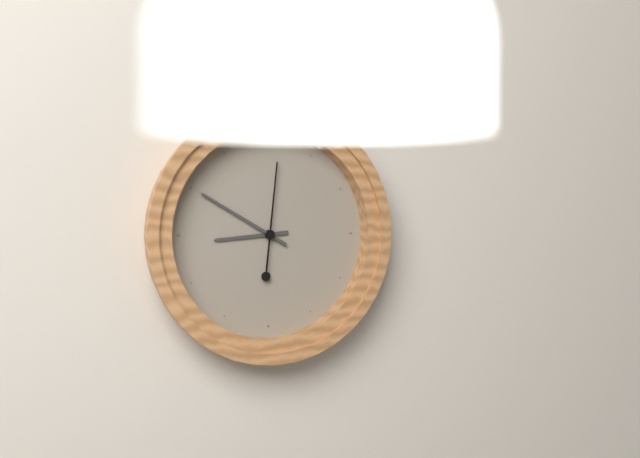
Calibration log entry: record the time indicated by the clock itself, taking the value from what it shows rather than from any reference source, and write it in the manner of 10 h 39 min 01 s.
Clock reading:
8 h 50 min 01 s
